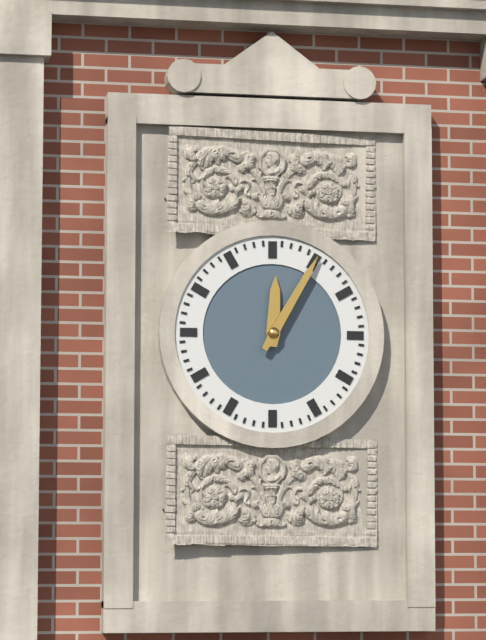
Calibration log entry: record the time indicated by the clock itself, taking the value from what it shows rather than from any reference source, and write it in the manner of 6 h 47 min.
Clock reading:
12 h 05 min
